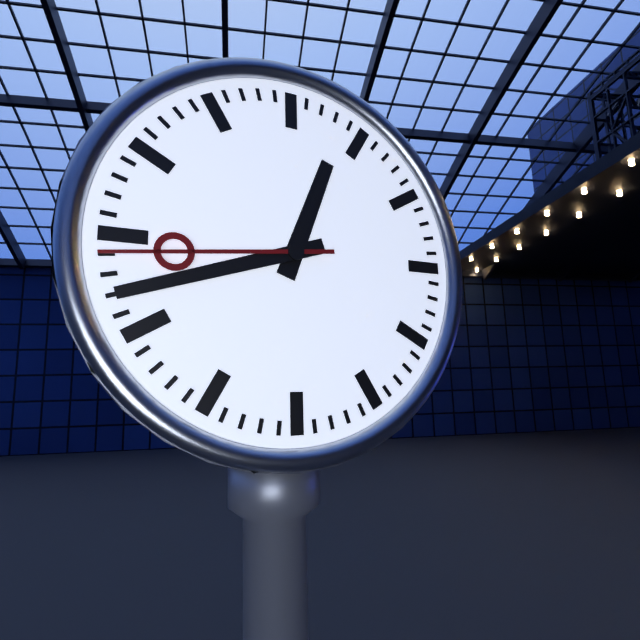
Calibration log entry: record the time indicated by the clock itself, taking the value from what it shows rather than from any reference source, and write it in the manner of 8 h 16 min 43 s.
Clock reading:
12 h 42 min 44 s
